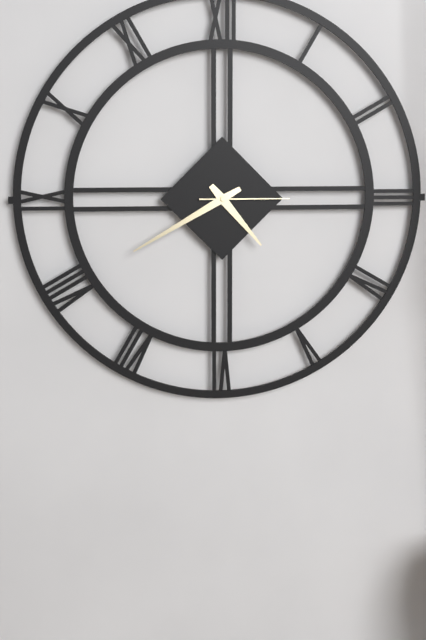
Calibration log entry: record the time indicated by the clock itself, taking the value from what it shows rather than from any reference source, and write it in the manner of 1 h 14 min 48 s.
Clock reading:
4 h 40 min 15 s
